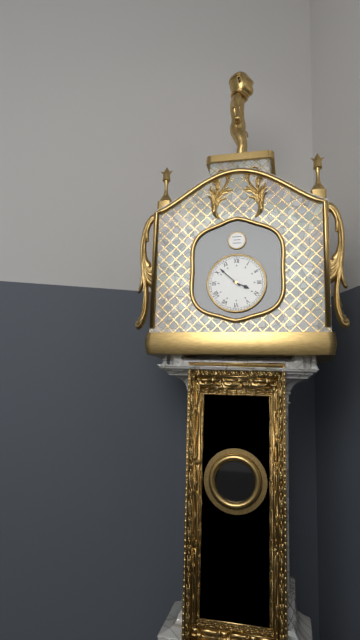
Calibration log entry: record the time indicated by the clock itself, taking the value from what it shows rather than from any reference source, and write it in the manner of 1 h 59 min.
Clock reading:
3 h 52 min
